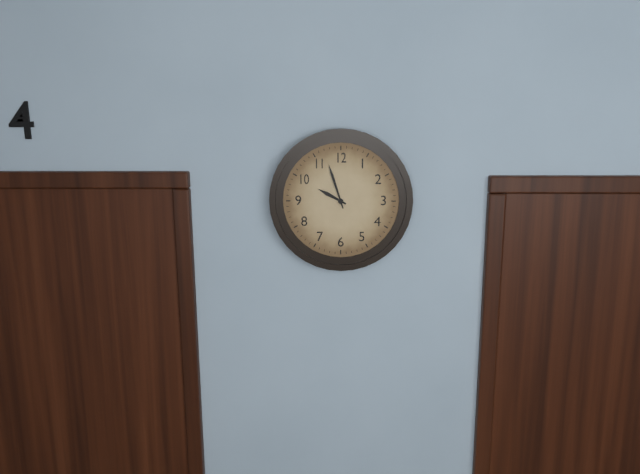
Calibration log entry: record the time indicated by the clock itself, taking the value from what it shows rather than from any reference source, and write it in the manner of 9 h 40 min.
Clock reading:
9 h 57 min
